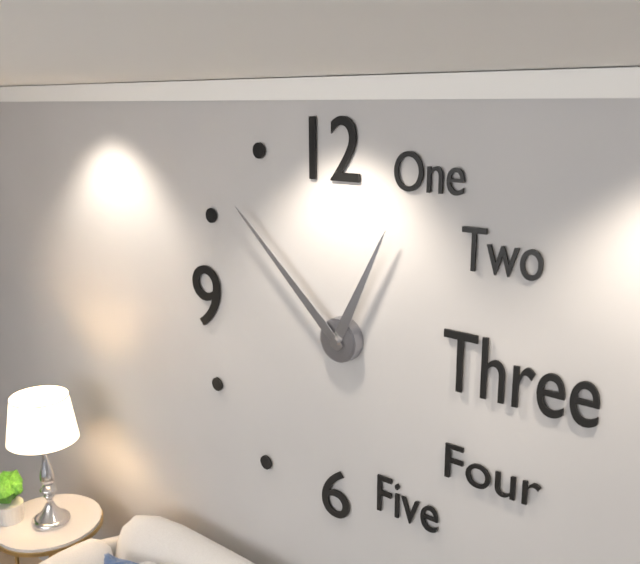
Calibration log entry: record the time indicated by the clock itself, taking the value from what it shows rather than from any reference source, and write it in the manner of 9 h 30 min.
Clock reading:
12 h 52 min
